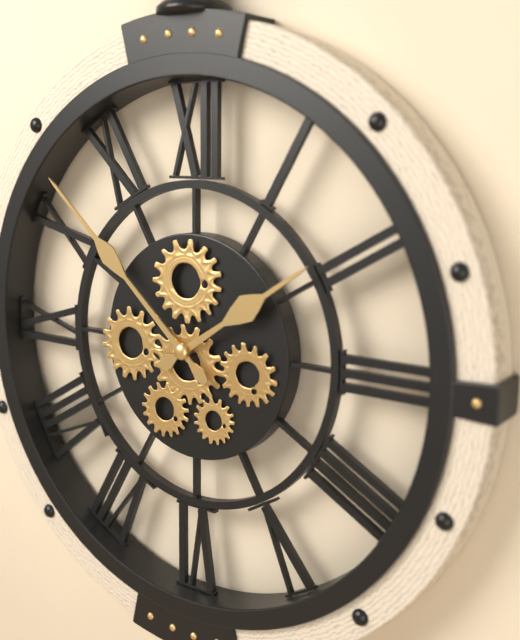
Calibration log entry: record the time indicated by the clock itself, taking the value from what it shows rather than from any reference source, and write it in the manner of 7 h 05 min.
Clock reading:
1 h 52 min
